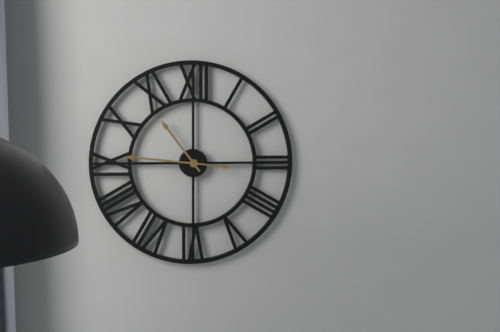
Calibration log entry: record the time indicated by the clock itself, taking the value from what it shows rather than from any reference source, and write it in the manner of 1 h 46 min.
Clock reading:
10 h 46 min
